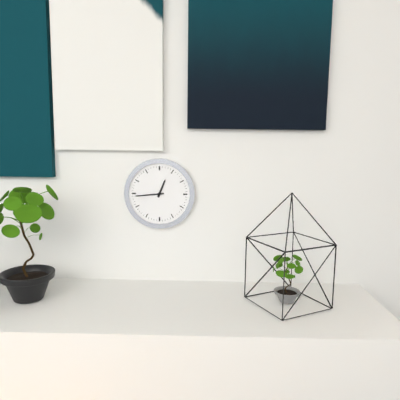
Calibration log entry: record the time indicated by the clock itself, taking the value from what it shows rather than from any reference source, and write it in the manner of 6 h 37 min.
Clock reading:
12 h 44 min
